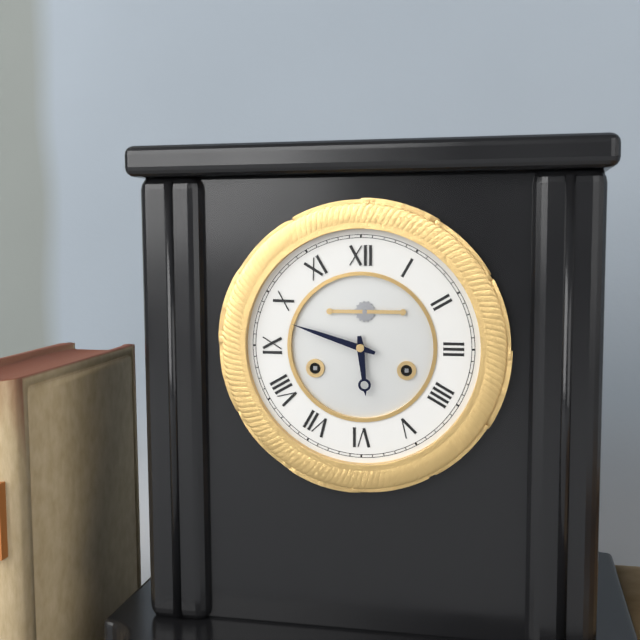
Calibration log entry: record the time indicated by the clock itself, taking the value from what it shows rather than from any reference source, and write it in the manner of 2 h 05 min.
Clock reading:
5 h 48 min
